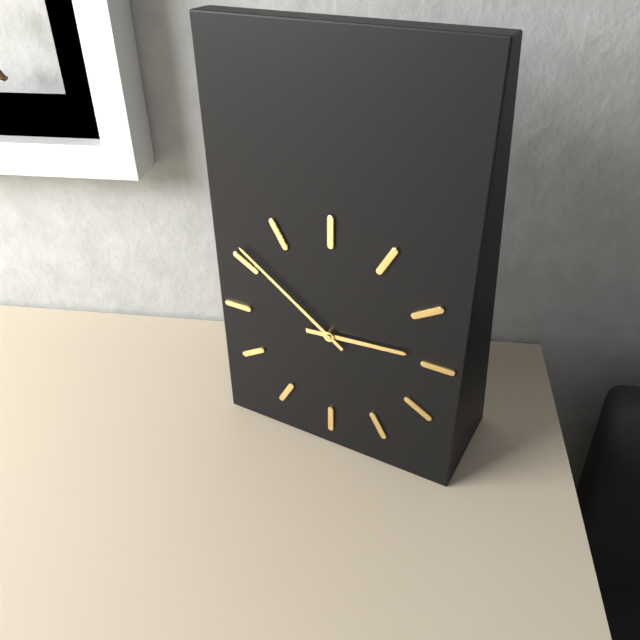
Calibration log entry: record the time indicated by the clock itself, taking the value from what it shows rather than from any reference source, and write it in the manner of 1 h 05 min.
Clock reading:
2 h 51 min
